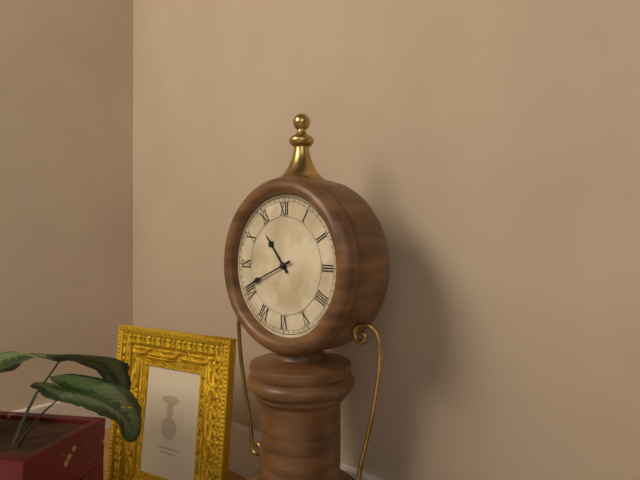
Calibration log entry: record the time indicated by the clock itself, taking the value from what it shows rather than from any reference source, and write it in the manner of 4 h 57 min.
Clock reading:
10 h 41 min
